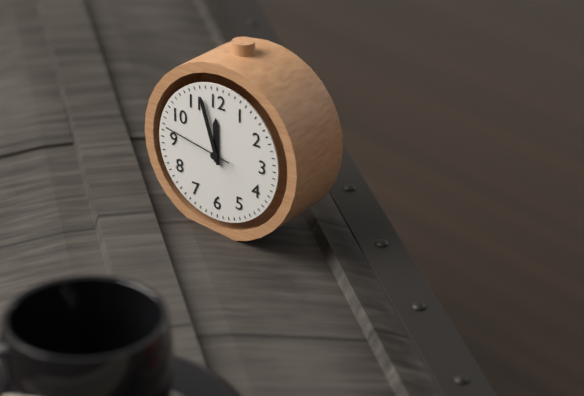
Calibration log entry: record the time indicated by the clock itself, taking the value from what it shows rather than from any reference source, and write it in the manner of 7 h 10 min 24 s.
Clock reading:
11 h 57 min 47 s
